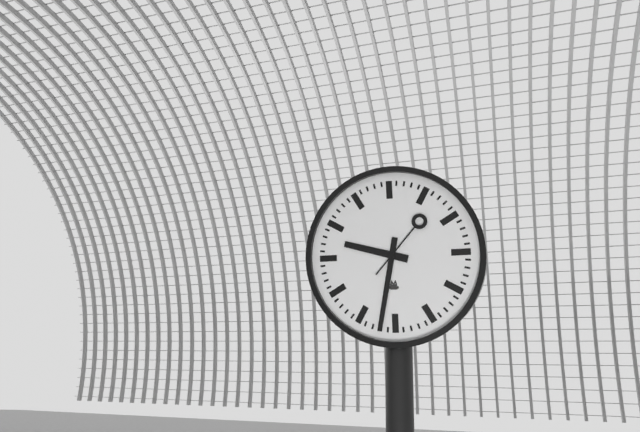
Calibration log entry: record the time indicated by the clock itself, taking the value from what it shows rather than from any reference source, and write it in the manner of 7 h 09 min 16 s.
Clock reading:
9 h 32 min 07 s
